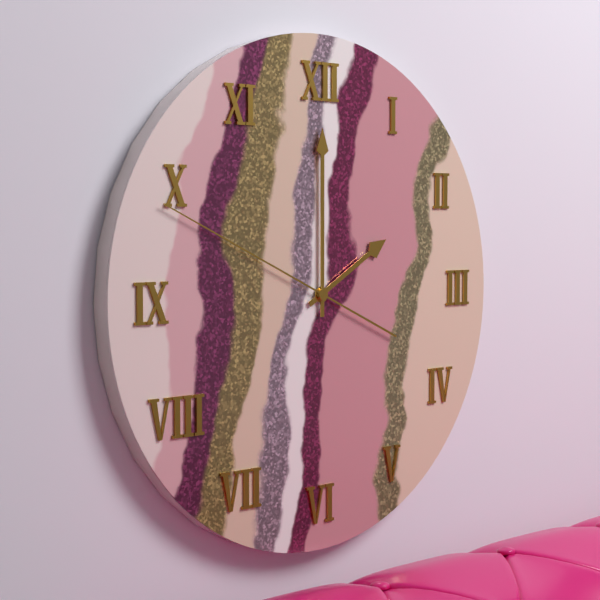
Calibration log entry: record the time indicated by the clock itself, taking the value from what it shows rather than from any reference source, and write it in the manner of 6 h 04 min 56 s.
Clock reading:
2 h 00 min 49 s
